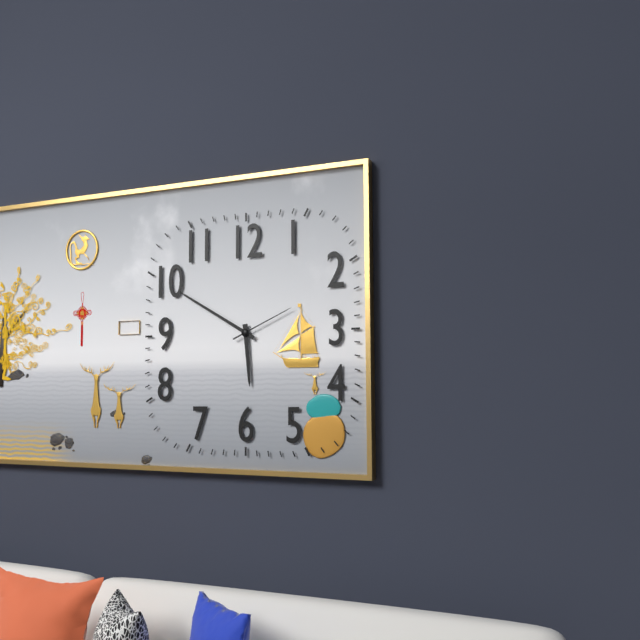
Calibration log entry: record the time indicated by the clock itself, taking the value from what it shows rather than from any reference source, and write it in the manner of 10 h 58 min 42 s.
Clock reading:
5 h 50 min 11 s
